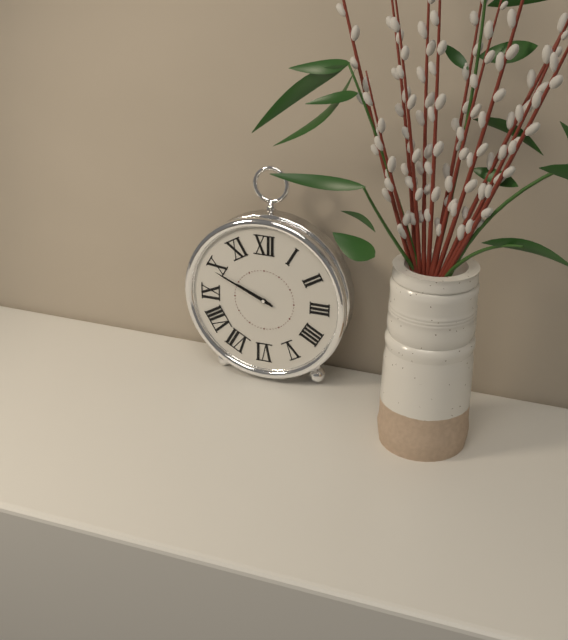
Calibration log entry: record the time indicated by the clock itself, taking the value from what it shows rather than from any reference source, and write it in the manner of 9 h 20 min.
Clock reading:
9 h 49 min
